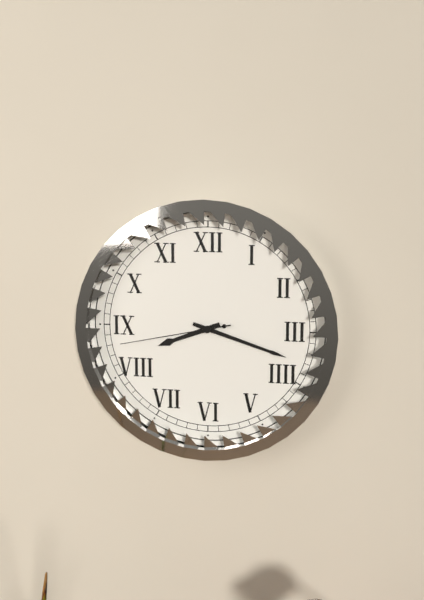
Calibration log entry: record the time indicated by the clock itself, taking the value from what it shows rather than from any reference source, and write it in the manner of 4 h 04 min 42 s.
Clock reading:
8 h 18 min 43 s
